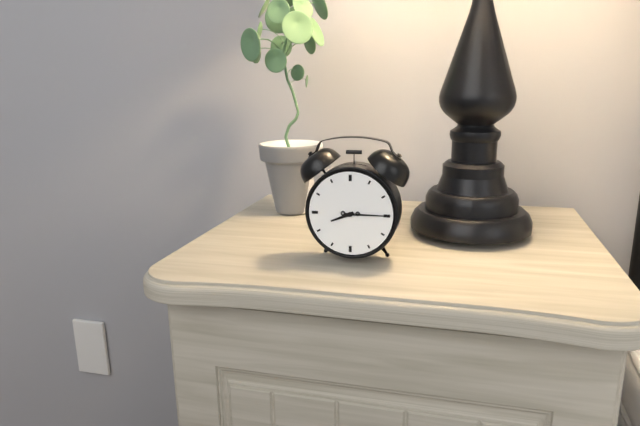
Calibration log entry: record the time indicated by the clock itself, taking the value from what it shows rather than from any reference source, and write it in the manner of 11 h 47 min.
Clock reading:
8 h 15 min
